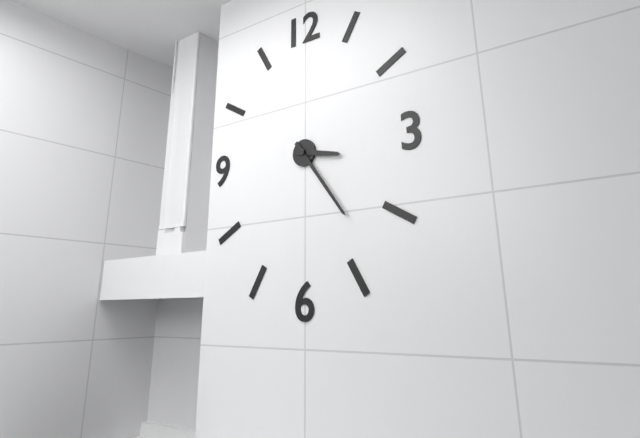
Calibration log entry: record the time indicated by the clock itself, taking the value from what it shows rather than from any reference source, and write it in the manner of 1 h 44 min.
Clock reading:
3 h 24 min
